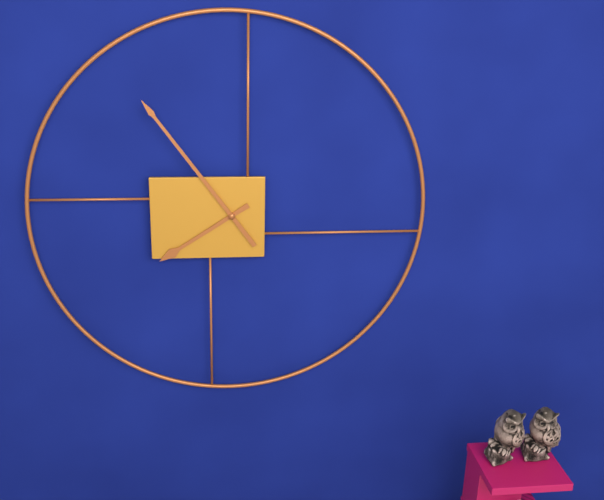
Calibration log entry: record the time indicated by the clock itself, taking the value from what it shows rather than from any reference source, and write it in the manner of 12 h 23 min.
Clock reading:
7 h 54 min
